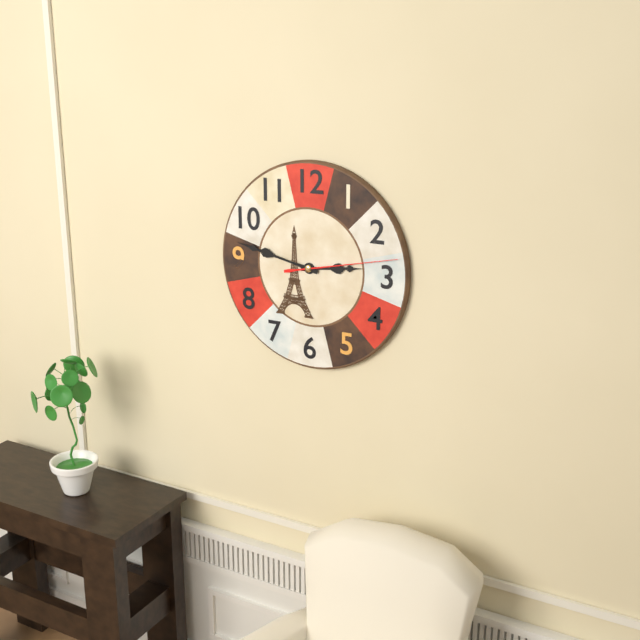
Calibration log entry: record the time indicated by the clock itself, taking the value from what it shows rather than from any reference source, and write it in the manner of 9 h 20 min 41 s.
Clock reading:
2 h 47 min 13 s
